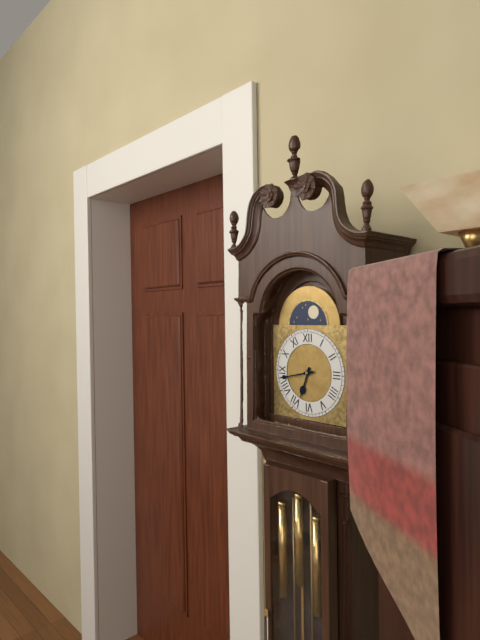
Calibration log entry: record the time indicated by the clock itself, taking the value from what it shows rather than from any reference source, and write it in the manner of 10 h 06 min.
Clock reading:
6 h 43 min
